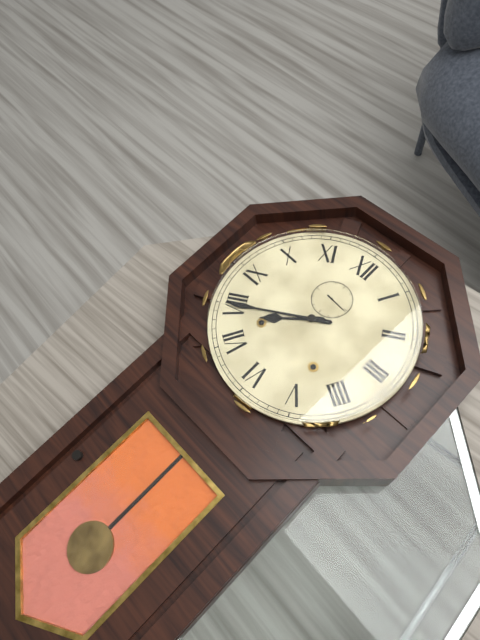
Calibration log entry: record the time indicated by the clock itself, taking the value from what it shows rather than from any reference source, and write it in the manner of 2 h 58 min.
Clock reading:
7 h 40 min
